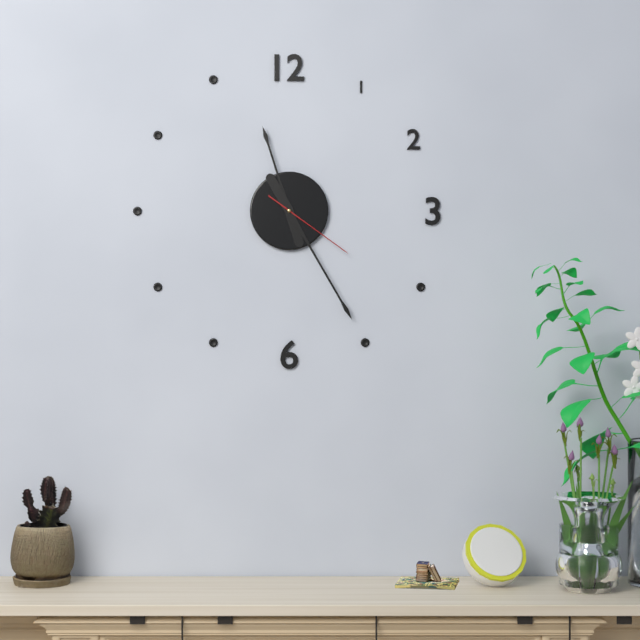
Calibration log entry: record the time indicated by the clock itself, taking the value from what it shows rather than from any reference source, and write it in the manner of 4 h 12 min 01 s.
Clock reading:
11 h 25 min 21 s
